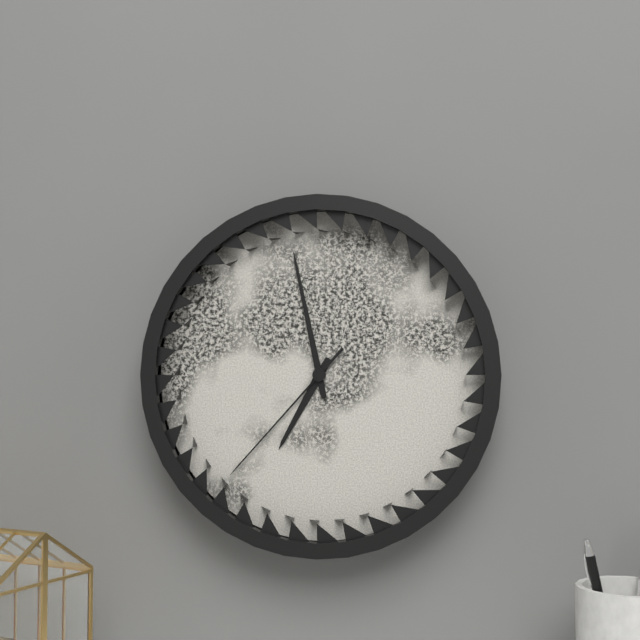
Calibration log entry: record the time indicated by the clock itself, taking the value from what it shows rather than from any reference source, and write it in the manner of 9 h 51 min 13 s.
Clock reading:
6 h 58 min 37 s
